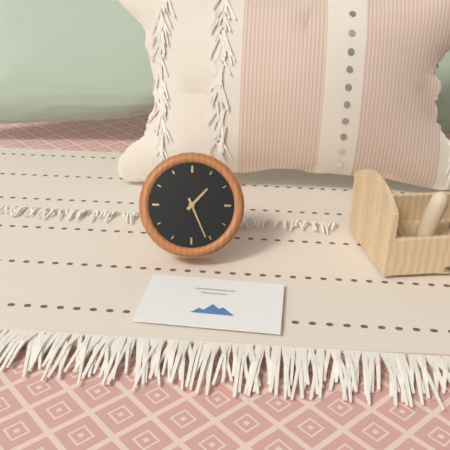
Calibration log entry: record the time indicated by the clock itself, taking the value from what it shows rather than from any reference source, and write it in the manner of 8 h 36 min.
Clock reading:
1 h 26 min
